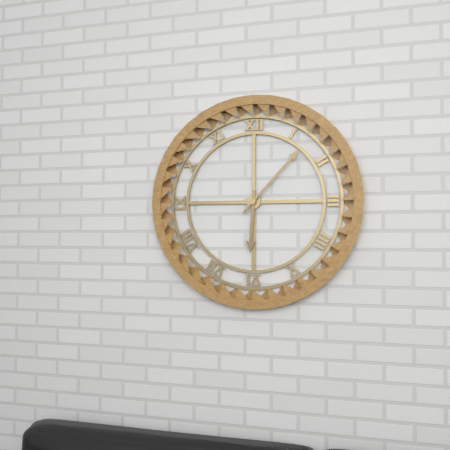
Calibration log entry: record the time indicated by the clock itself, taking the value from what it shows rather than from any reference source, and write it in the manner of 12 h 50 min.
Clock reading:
6 h 07 min
